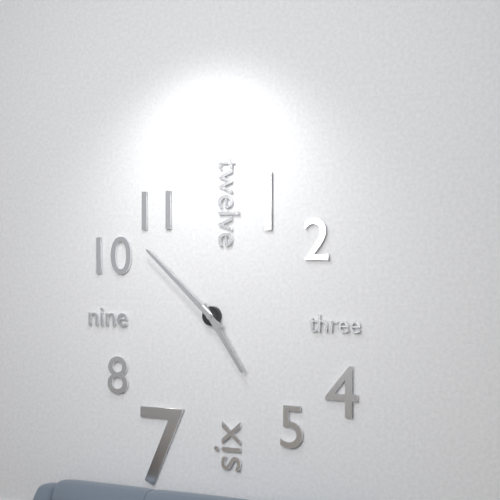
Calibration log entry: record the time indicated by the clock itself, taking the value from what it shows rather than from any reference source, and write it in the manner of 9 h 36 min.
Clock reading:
4 h 52 min
